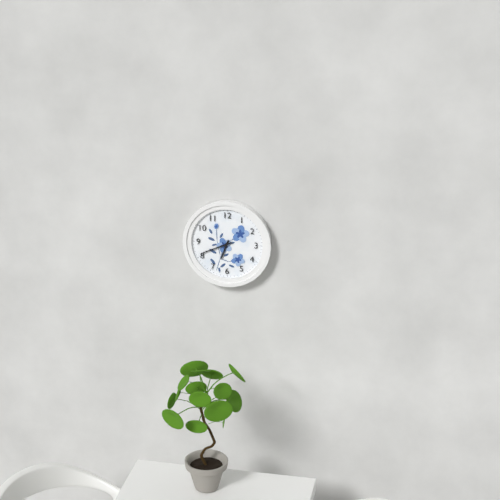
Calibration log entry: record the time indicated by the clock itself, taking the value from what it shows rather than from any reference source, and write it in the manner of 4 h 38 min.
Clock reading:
6 h 41 min
